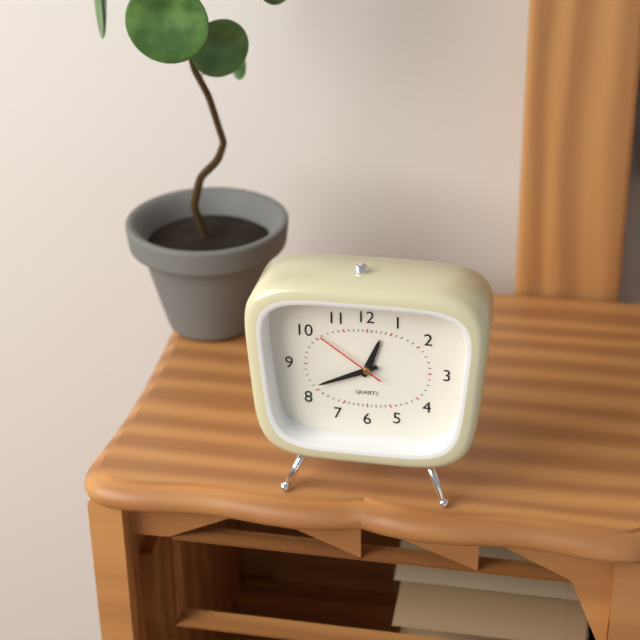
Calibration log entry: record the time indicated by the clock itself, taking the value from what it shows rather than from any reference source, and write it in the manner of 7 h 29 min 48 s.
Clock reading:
12 h 41 min 51 s
